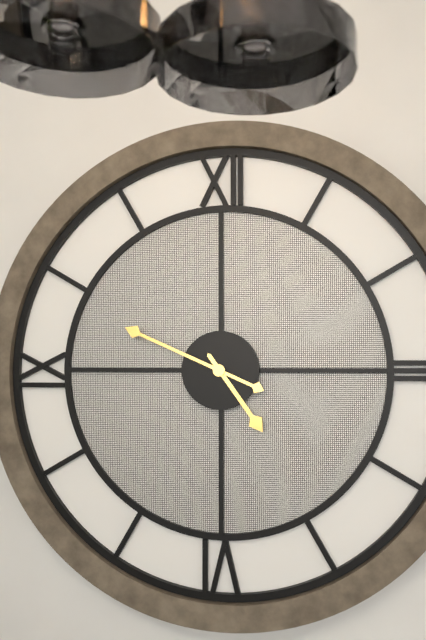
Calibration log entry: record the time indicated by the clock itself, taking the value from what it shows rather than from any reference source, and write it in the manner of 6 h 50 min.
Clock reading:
4 h 49 min
